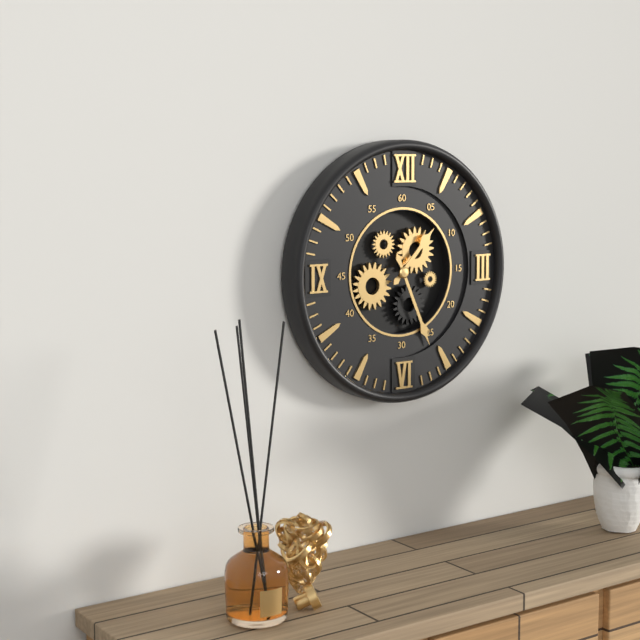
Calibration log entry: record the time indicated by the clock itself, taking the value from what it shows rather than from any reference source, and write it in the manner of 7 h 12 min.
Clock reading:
1 h 26 min
